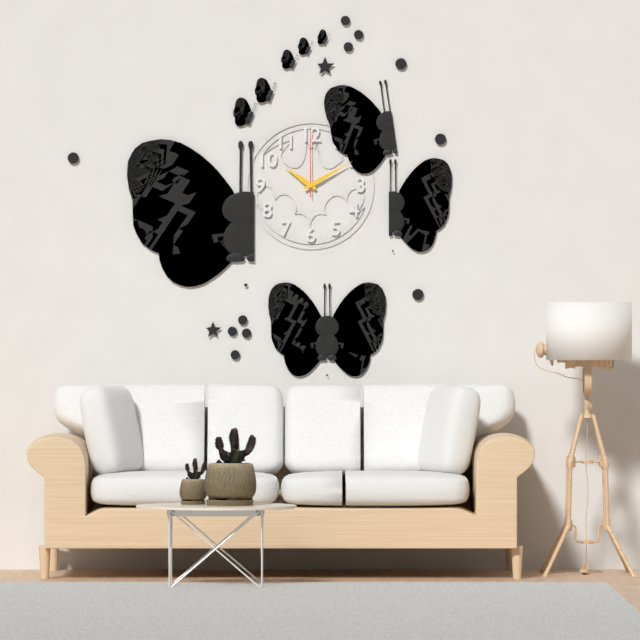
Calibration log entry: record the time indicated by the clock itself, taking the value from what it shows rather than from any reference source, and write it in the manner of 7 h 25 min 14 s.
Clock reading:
10 h 10 min 00 s
